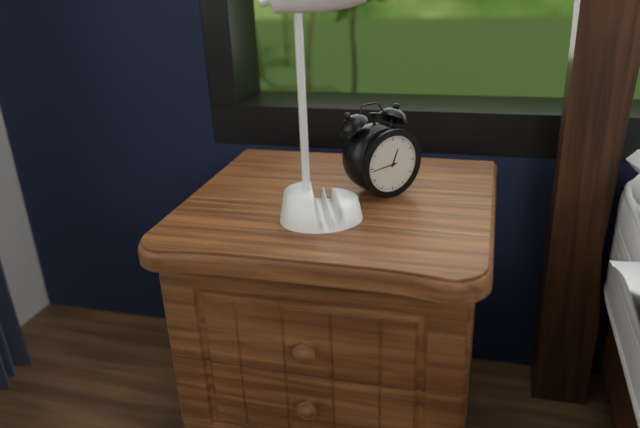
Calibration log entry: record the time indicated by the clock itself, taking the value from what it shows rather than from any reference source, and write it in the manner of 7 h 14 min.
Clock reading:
12 h 44 min
